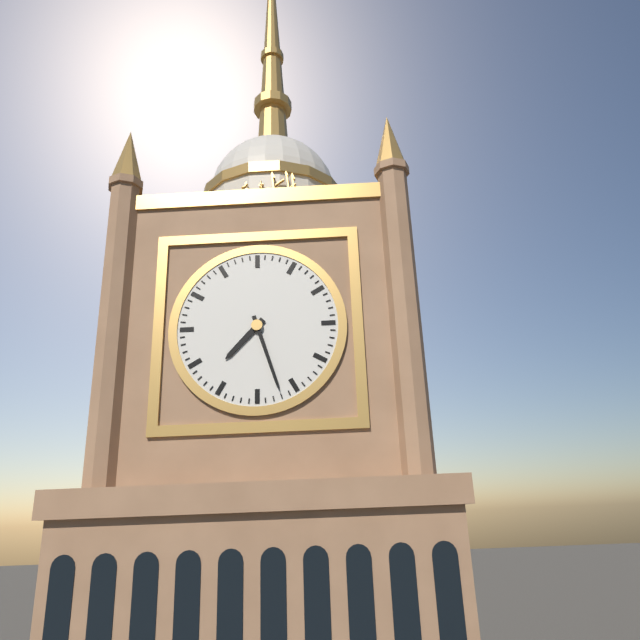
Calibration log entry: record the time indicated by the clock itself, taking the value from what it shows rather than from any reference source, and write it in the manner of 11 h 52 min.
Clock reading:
7 h 27 min
